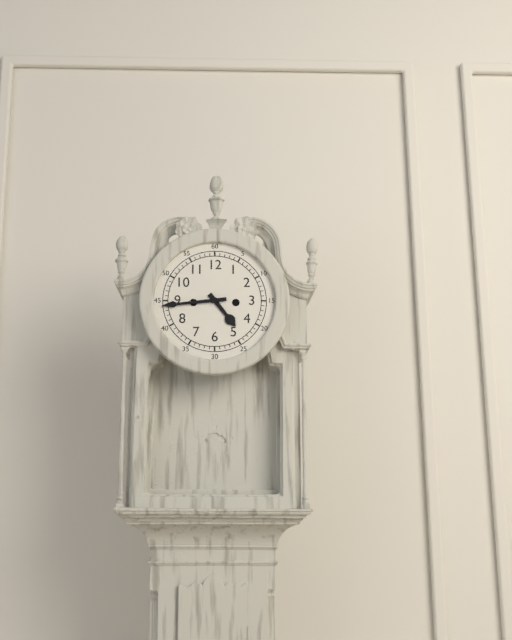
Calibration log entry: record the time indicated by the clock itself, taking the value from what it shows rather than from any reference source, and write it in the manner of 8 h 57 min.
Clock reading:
4 h 44 min
